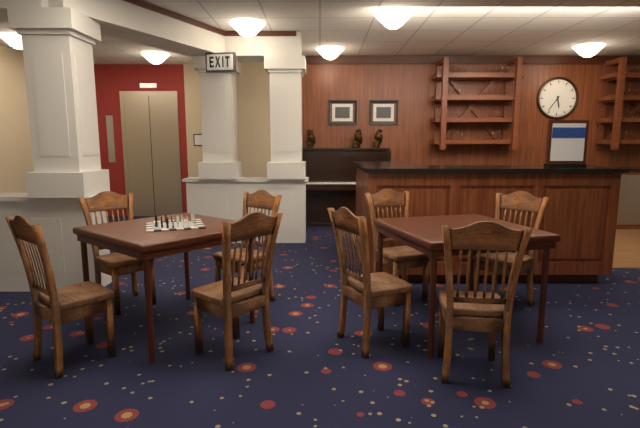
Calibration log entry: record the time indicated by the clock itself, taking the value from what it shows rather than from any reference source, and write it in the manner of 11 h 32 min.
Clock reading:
5 h 36 min
